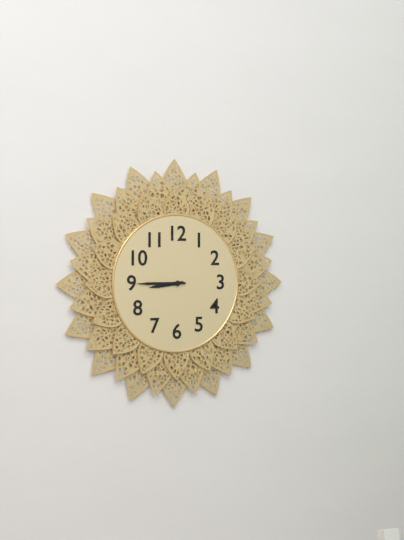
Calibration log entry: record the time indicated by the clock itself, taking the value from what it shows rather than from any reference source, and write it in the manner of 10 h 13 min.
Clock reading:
8 h 45 min
